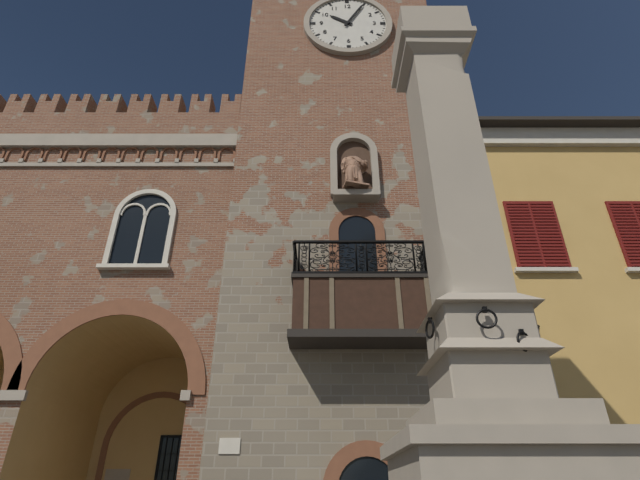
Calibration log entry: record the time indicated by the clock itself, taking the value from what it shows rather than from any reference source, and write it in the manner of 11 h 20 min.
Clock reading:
10 h 05 min
